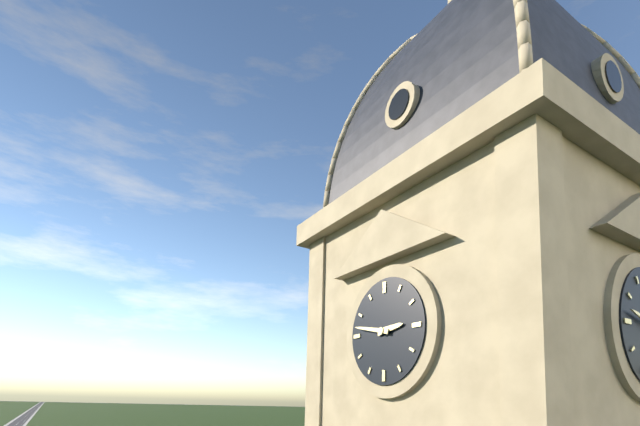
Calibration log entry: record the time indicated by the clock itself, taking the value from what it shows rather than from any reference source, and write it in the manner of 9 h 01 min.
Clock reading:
2 h 47 min
